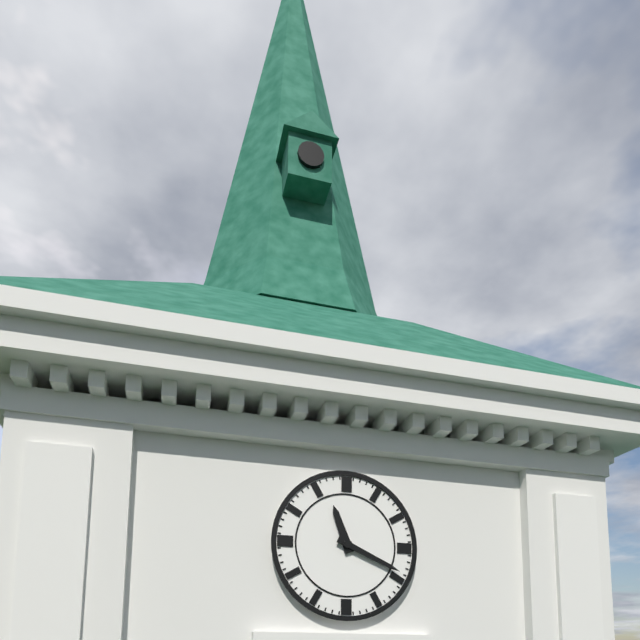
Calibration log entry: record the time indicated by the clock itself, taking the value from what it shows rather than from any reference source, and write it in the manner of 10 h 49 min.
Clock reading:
11 h 19 min
